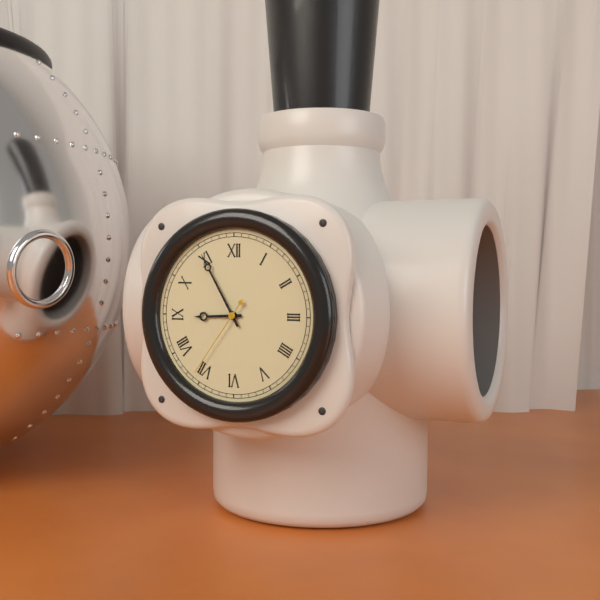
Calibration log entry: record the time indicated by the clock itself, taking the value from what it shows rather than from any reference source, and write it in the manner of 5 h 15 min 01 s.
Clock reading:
8 h 55 min 36 s
